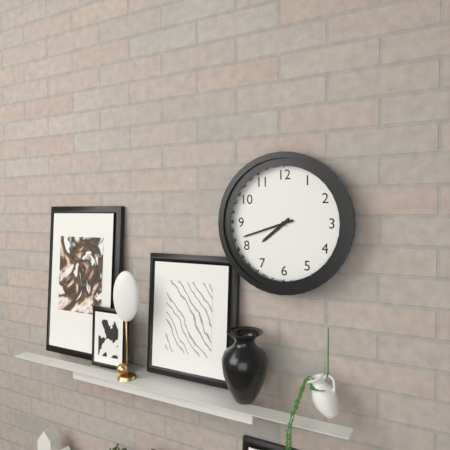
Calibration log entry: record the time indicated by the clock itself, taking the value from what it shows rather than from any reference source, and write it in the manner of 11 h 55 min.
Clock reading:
7 h 42 min
